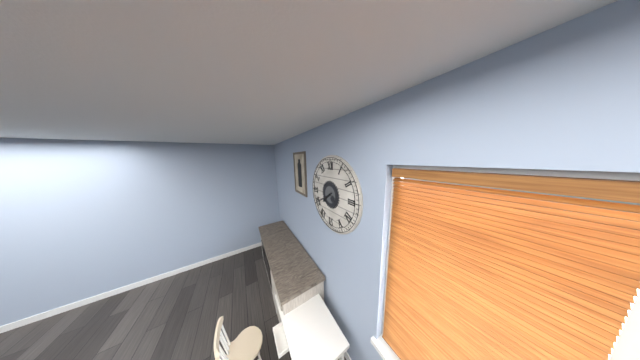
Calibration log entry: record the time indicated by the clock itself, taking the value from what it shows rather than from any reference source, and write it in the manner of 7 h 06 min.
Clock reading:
7 h 40 min
